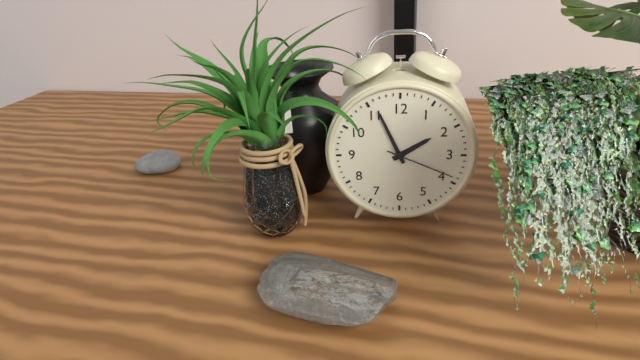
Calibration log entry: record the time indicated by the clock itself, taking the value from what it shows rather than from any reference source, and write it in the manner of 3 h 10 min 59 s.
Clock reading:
1 h 56 min 19 s
